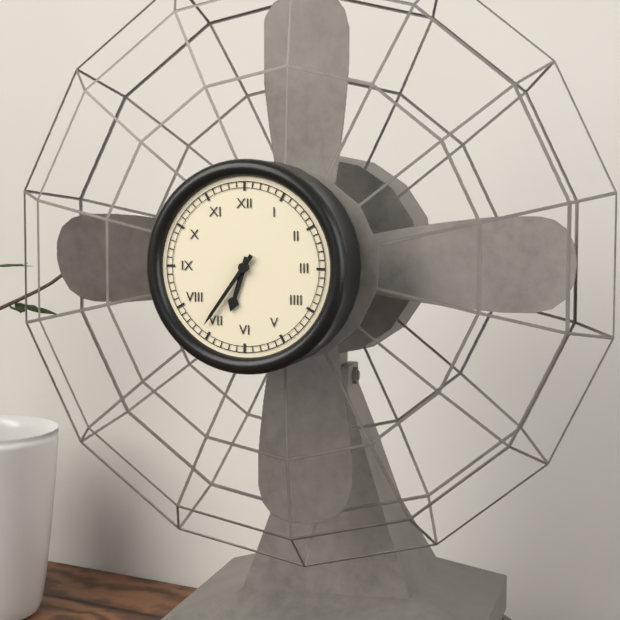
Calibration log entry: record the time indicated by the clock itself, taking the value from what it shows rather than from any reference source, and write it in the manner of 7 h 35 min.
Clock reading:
6 h 36 min
